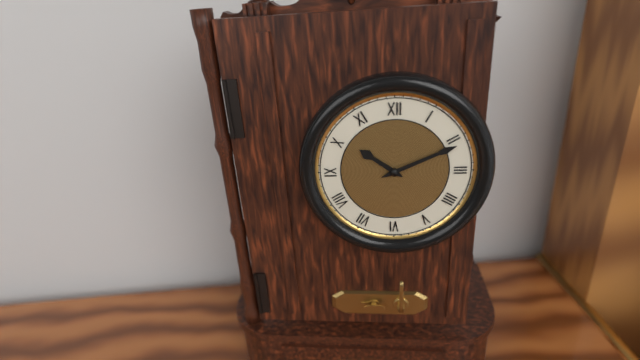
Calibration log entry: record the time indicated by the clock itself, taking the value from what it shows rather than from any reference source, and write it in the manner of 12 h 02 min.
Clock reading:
10 h 11 min
